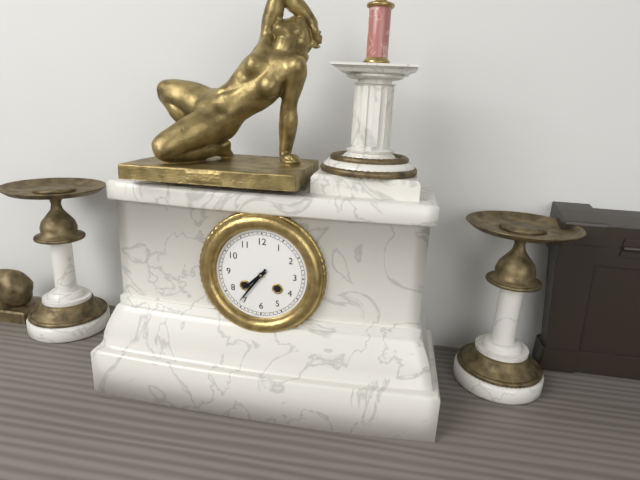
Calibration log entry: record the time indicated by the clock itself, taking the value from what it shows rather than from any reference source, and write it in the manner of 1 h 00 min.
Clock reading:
7 h 36 min
